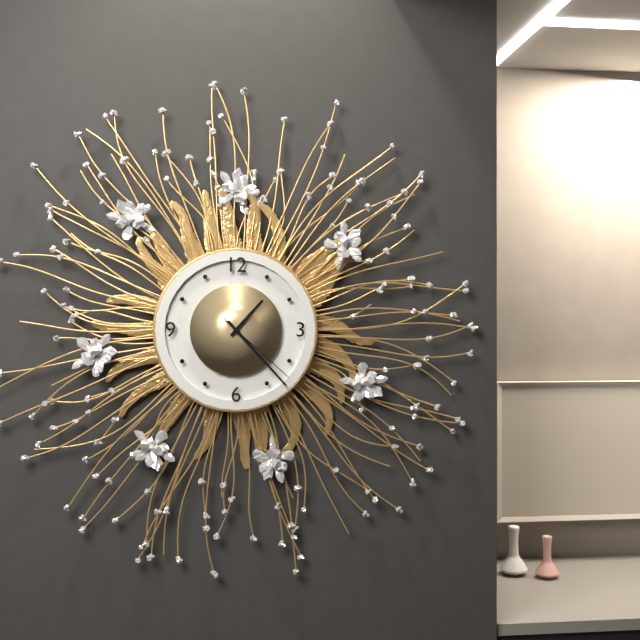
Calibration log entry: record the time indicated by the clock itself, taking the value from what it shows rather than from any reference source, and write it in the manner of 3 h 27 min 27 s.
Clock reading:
1 h 23 min 22 s
